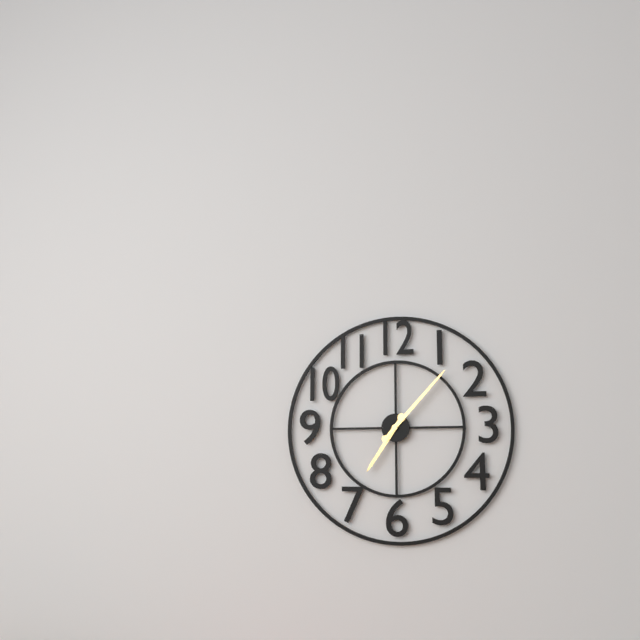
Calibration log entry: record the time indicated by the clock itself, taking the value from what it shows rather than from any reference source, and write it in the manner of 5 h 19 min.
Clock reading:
7 h 07 min
